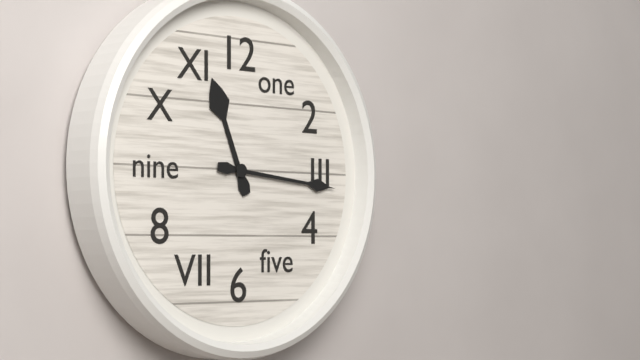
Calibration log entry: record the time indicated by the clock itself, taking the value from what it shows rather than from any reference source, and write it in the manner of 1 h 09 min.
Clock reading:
11 h 16 min
